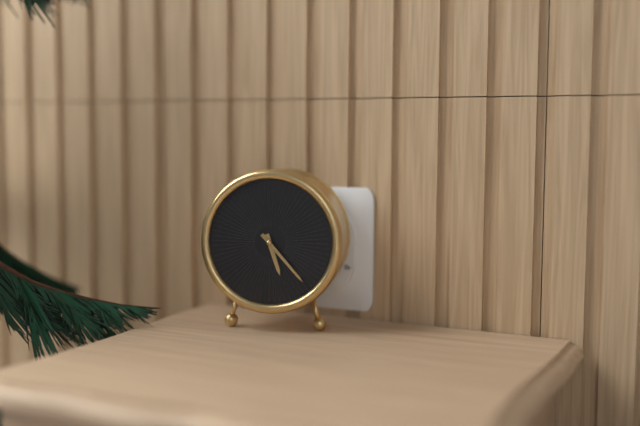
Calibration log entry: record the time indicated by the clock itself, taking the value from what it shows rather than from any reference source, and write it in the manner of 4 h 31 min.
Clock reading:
5 h 23 min
